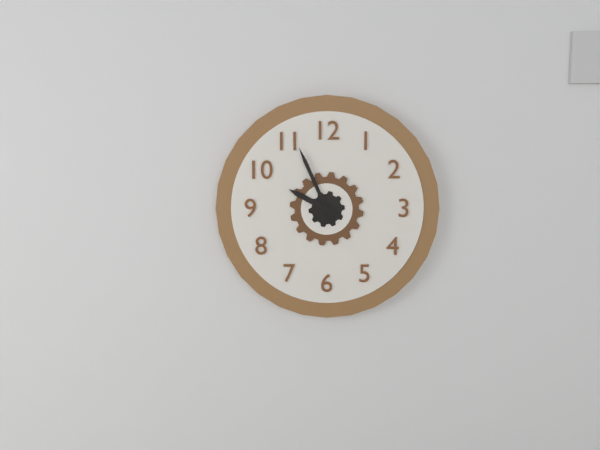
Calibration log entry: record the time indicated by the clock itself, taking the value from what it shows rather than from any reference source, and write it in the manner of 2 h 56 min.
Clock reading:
9 h 56 min
